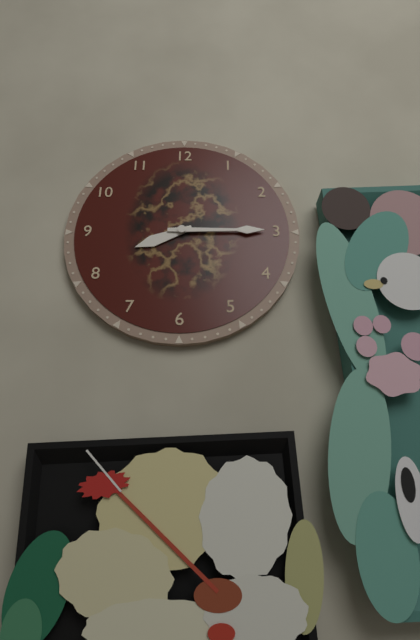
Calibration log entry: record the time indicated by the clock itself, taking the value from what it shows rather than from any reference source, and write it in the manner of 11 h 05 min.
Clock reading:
8 h 15 min
